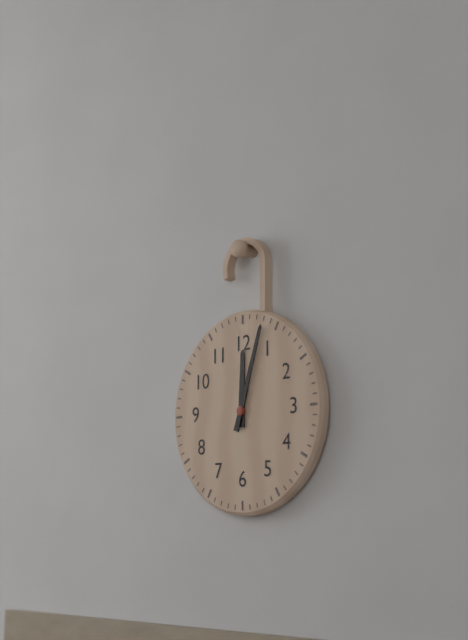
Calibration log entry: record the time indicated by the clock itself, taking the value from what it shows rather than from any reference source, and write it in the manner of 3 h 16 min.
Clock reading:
12 h 03 min
